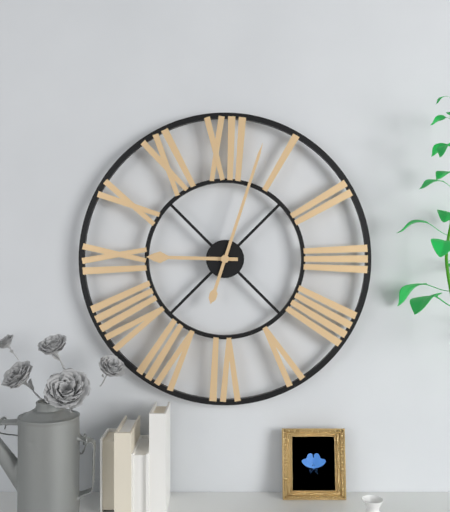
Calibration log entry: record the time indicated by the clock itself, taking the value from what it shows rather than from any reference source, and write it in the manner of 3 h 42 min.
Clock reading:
9 h 03 min
